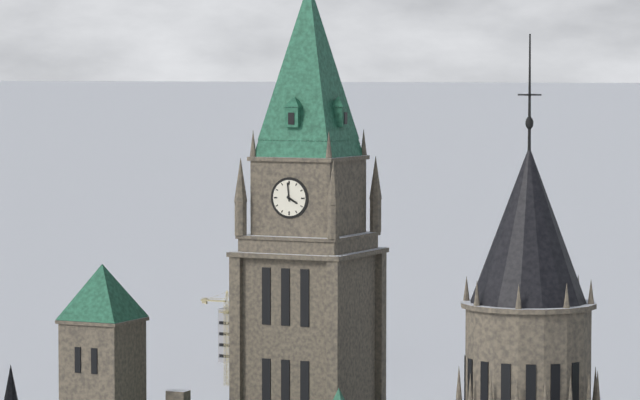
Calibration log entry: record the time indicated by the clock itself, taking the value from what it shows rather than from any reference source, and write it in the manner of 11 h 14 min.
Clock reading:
3 h 59 min
